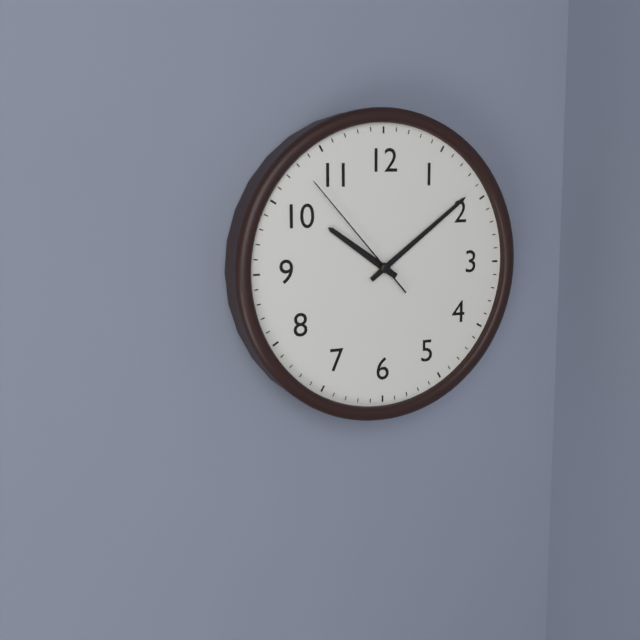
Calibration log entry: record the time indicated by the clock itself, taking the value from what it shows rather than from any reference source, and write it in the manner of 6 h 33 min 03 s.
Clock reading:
10 h 09 min 53 s
